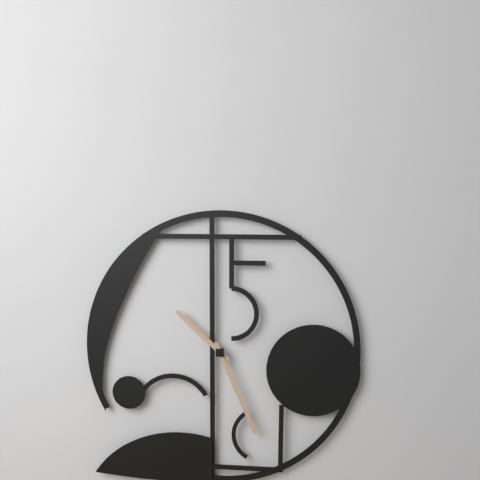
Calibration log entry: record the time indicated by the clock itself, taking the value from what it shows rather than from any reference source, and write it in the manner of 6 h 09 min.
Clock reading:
10 h 26 min
